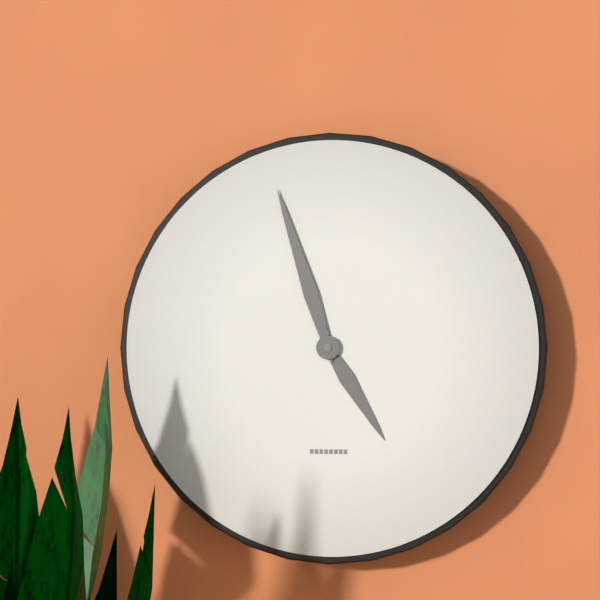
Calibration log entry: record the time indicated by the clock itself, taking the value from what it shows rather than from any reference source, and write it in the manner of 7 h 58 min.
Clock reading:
4 h 57 min
